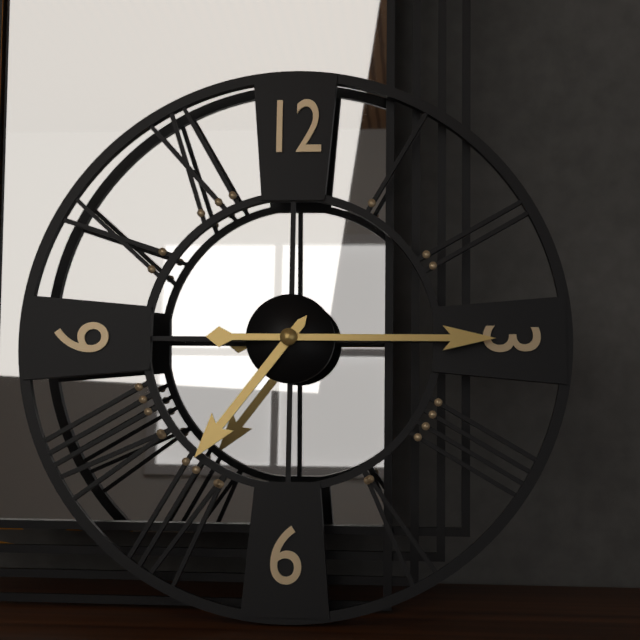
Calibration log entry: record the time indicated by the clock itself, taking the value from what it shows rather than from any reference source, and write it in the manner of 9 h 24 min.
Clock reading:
7 h 15 min
